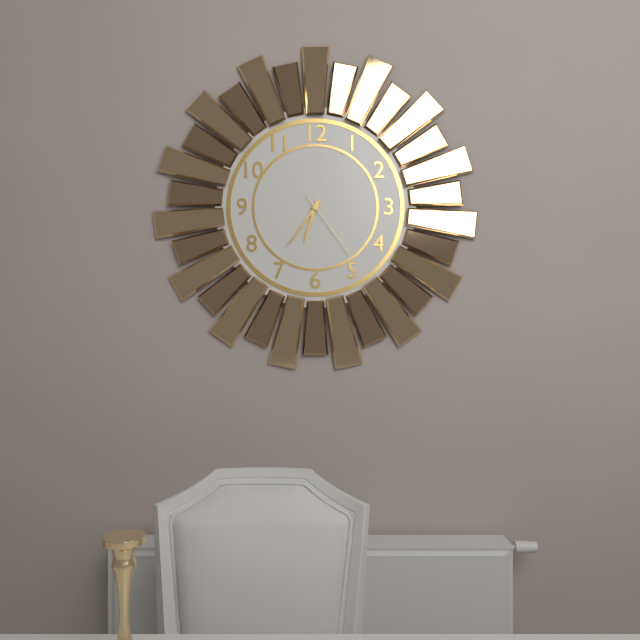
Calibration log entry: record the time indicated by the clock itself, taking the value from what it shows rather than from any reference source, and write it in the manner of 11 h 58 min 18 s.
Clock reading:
6 h 36 min 24 s
